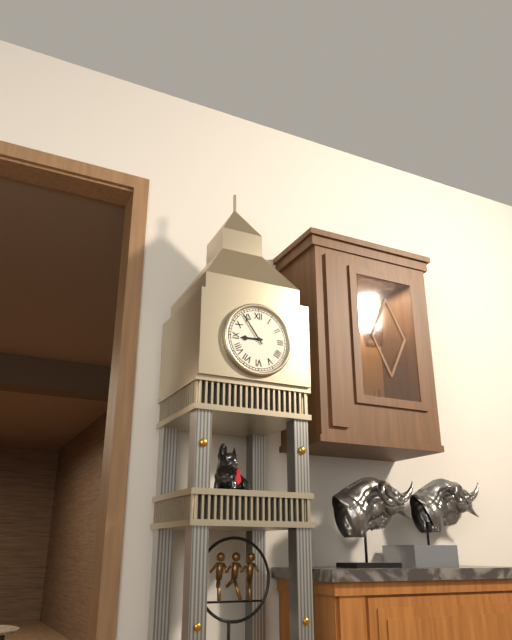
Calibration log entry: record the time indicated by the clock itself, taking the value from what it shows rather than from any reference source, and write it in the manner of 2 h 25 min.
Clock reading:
8 h 54 min
